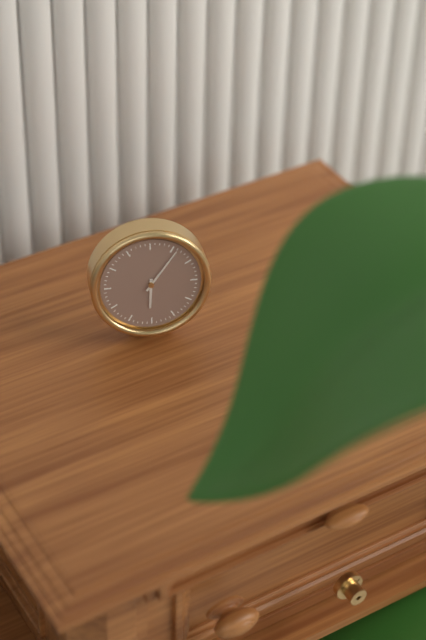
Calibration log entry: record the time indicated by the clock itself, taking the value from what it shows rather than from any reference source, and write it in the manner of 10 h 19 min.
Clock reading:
6 h 06 min
